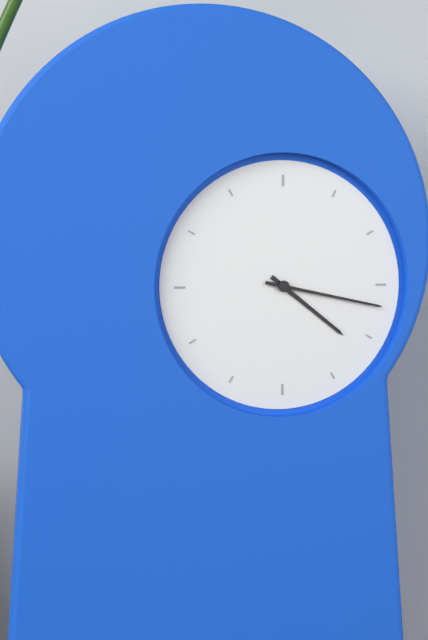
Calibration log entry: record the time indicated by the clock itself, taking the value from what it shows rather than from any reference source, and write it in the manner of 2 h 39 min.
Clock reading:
4 h 17 min
